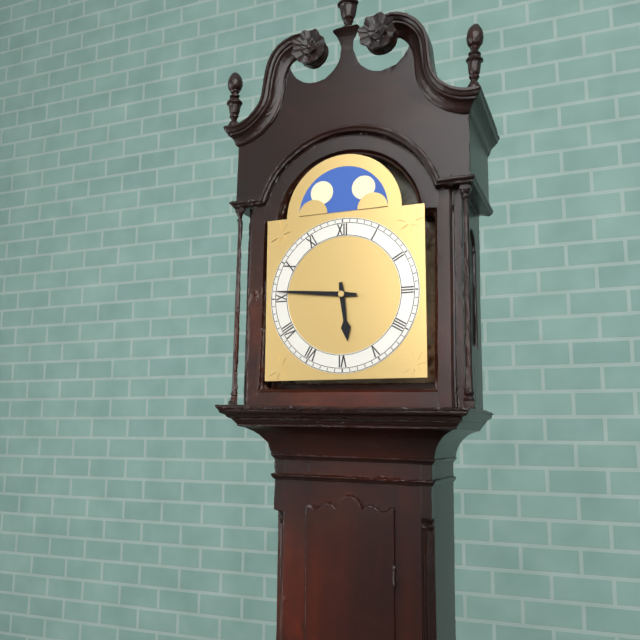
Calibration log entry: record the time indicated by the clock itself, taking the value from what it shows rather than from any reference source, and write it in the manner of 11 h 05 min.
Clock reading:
5 h 46 min
